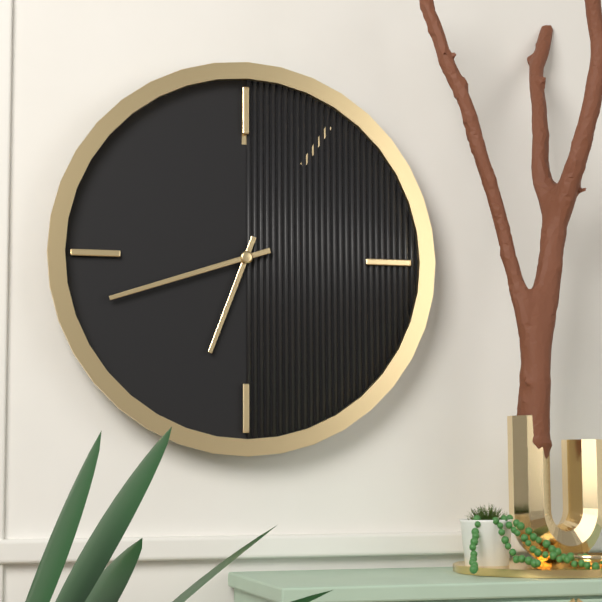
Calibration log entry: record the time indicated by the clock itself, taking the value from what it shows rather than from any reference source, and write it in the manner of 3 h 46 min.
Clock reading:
6 h 42 min
